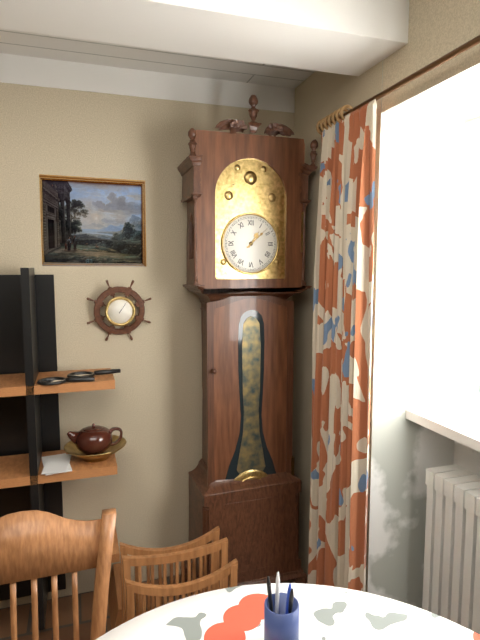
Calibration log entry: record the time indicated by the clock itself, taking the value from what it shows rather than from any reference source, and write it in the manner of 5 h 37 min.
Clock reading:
1 h 08 min
